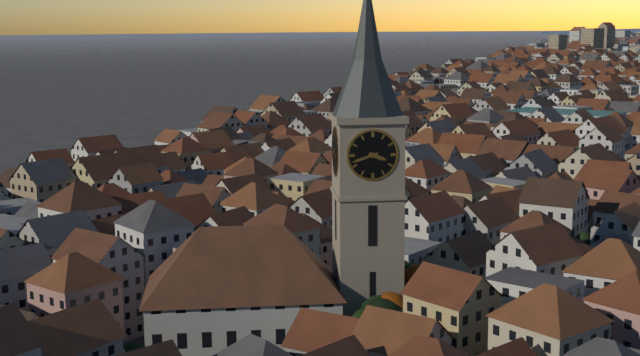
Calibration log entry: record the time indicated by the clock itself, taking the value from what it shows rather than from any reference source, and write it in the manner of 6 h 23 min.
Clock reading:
3 h 42 min
